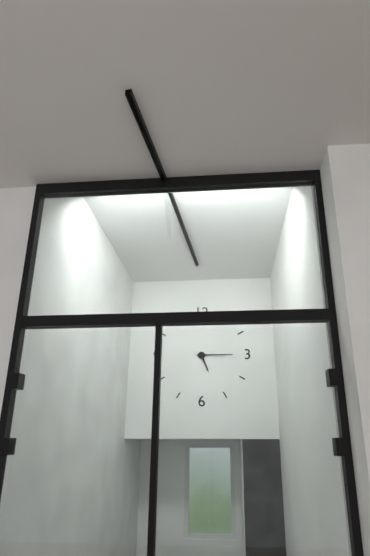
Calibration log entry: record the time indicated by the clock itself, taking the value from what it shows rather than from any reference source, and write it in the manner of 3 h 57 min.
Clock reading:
5 h 15 min
